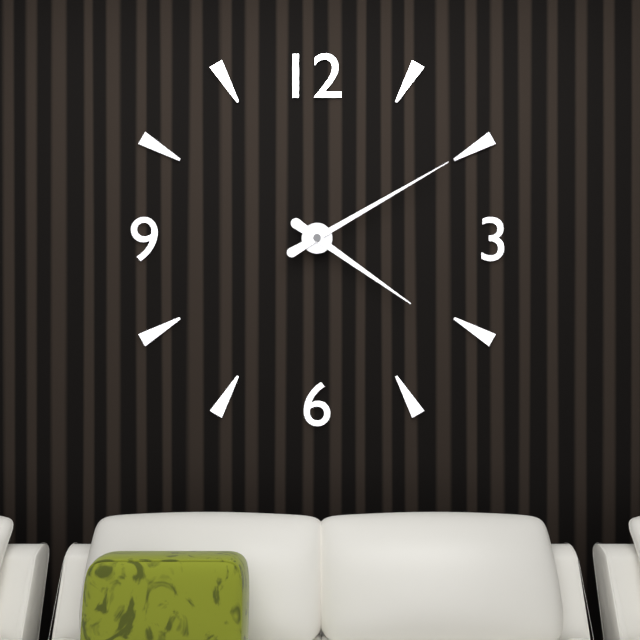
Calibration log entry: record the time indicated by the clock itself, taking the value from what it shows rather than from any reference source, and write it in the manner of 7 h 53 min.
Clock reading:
4 h 10 min
